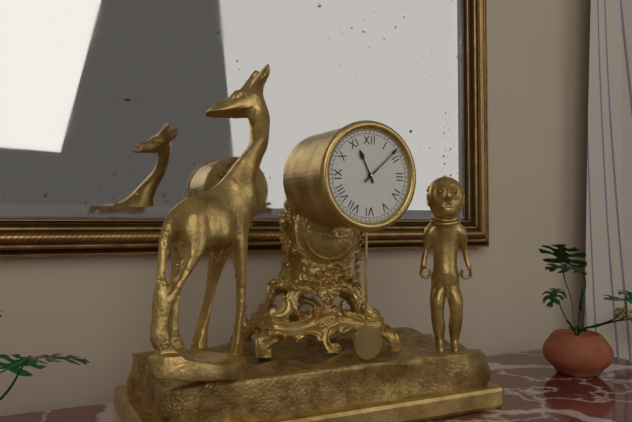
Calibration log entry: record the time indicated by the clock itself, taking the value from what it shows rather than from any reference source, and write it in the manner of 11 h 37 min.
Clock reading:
11 h 08 min
